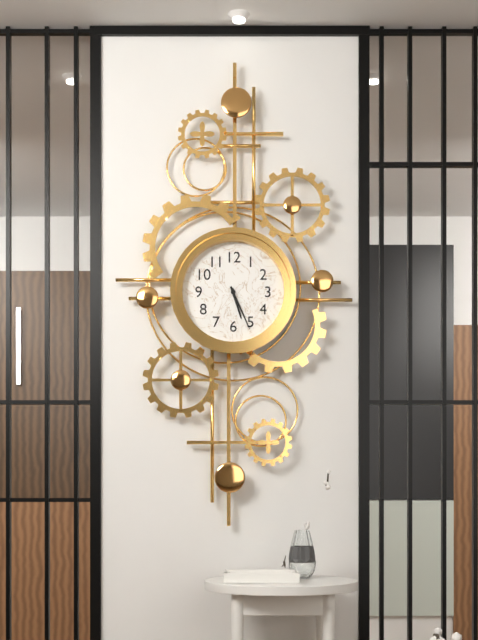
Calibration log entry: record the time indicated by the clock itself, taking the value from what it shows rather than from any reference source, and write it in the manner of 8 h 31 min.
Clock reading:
5 h 26 min
